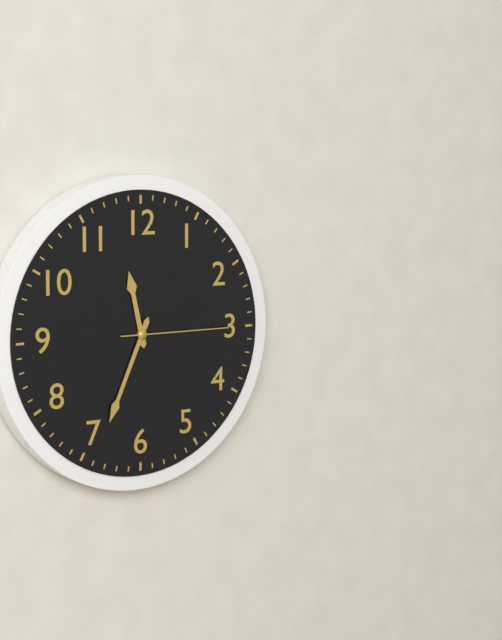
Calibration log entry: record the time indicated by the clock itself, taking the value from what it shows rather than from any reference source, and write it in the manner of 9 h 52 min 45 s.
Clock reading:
11 h 34 min 15 s
